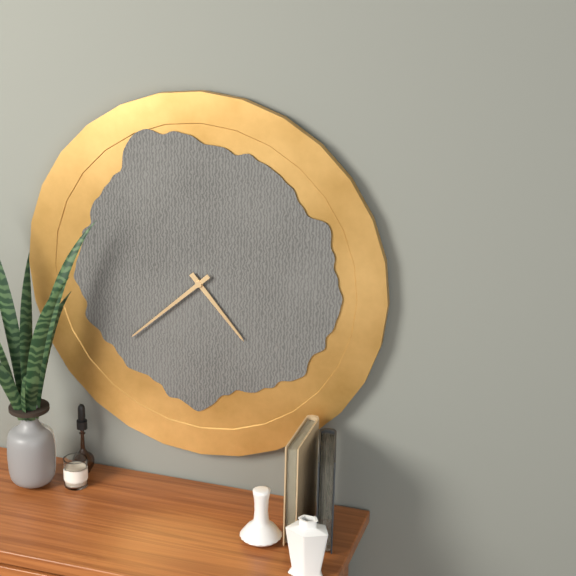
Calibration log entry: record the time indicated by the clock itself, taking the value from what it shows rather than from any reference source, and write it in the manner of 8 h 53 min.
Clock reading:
4 h 38 min
